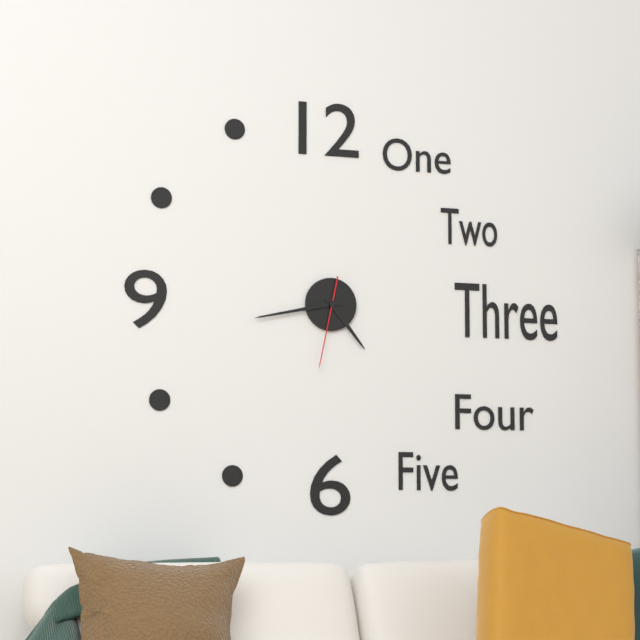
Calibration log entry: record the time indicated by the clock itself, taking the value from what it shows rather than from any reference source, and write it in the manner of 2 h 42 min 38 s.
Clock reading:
4 h 43 min 32 s
